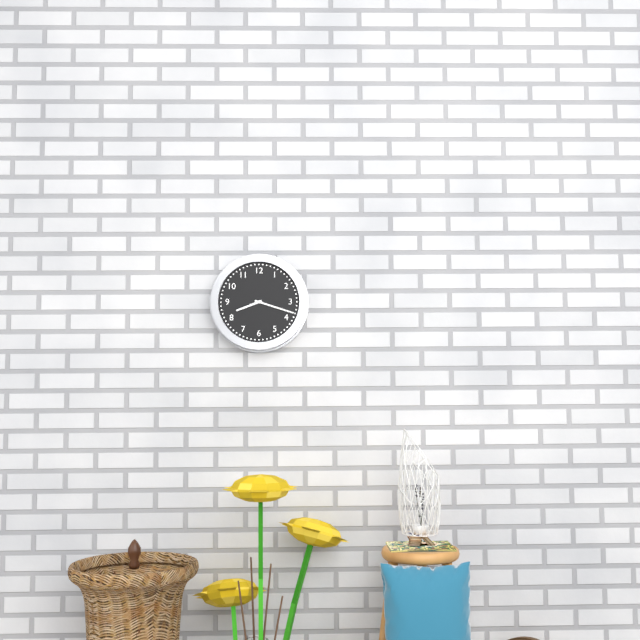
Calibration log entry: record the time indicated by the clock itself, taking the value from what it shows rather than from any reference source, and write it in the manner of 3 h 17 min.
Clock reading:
8 h 18 min
